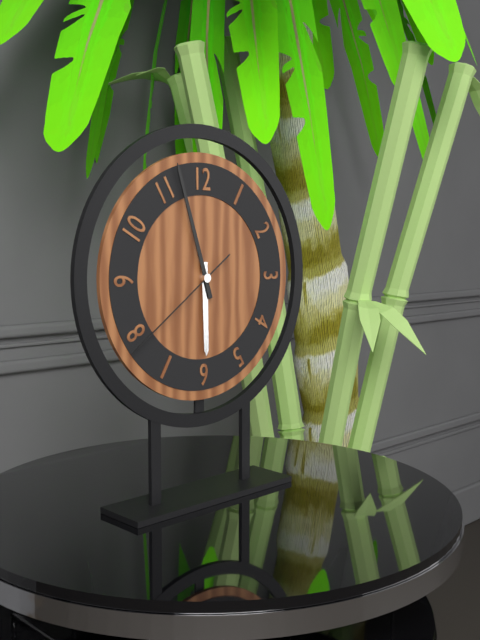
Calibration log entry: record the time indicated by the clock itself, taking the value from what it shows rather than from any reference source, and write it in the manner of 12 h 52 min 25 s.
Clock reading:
5 h 57 min 39 s
